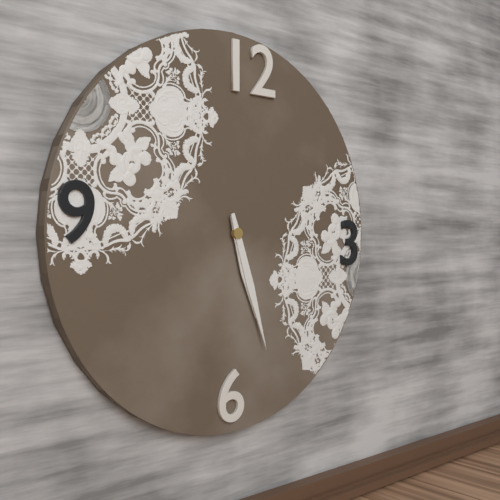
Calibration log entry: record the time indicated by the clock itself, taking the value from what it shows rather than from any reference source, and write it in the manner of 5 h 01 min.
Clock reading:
5 h 27 min
